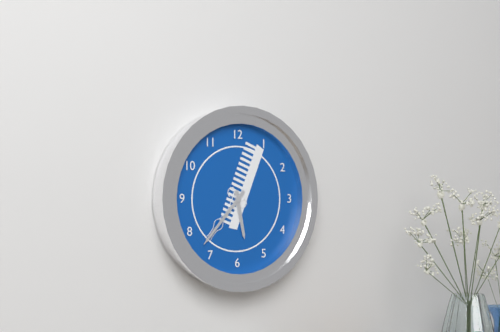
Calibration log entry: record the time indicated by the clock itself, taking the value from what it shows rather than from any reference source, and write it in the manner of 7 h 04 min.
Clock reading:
5 h 37 min
